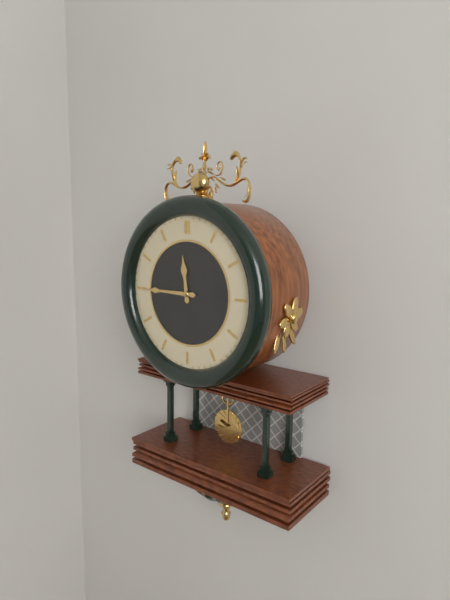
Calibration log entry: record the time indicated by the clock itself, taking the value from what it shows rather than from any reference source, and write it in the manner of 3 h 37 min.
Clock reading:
11 h 45 min
